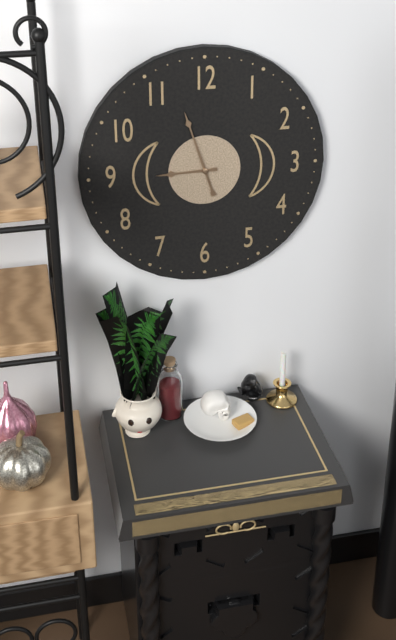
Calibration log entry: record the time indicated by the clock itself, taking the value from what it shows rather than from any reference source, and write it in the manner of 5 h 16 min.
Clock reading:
8 h 57 min
